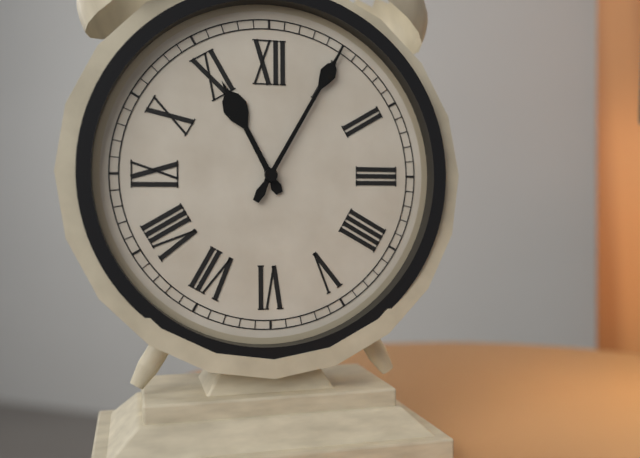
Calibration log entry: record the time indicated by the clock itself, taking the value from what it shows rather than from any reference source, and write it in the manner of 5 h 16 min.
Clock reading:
11 h 05 min
